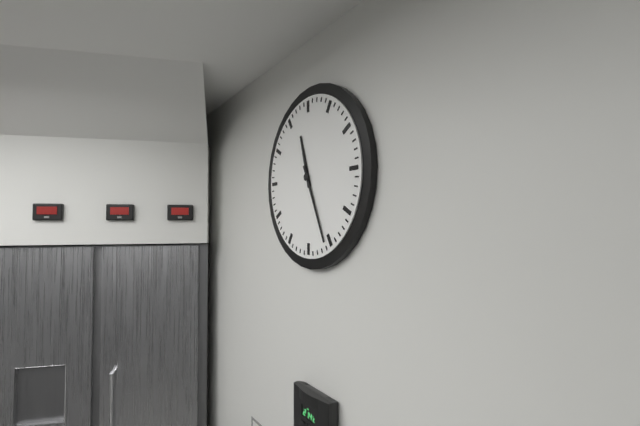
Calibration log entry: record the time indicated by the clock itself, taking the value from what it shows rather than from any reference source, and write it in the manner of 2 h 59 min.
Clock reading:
11 h 26 min
